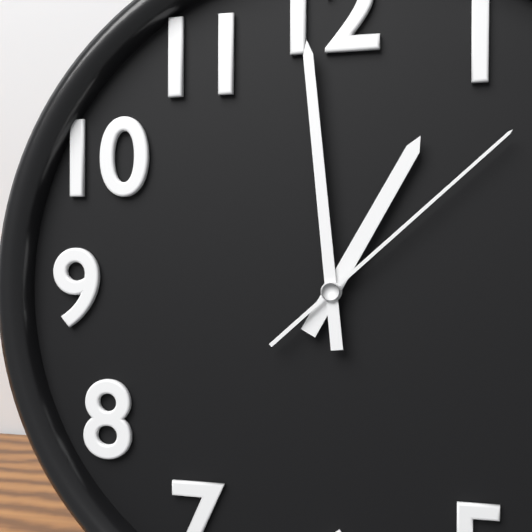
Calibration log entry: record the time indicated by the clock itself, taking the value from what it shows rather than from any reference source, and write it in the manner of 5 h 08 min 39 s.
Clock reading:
12 h 59 min 08 s
